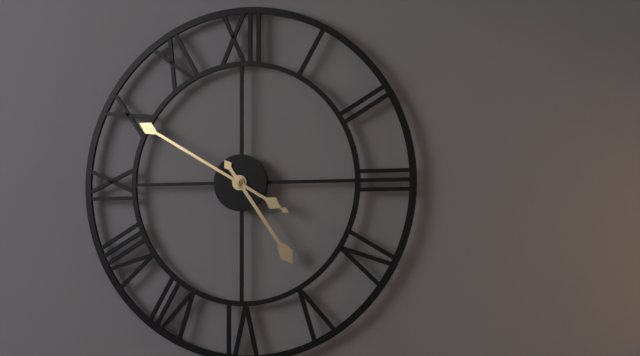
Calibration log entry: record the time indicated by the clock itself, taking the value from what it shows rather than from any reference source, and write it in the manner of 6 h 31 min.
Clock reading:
4 h 50 min
